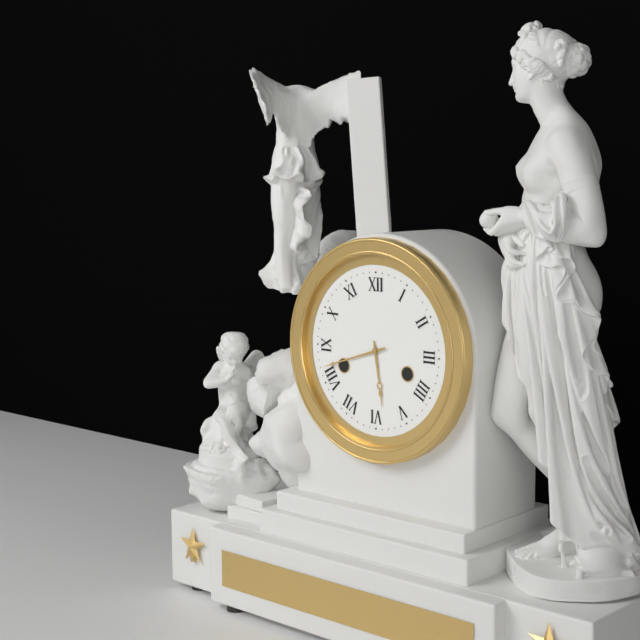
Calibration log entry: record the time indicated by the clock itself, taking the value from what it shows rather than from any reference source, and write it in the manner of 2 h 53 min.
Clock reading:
5 h 42 min
